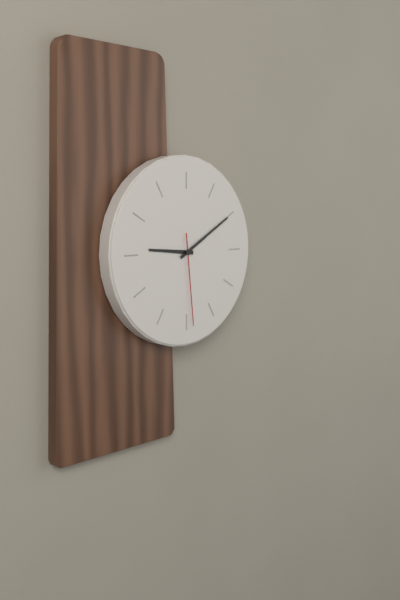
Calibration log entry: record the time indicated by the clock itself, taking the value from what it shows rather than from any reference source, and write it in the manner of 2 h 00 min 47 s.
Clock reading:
9 h 10 min 29 s
